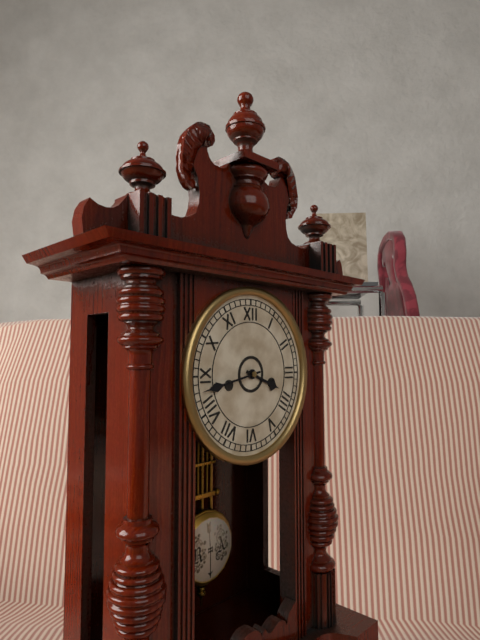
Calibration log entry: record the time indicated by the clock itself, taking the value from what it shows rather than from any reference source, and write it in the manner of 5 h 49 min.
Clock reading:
3 h 43 min
